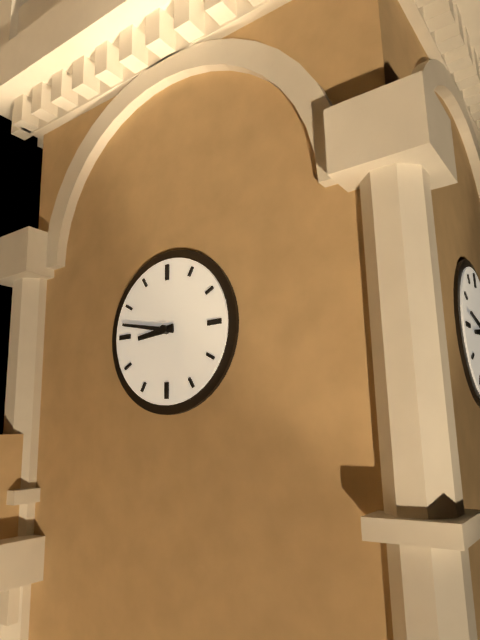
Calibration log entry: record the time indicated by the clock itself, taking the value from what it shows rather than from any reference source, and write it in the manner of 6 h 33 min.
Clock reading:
8 h 47 min
